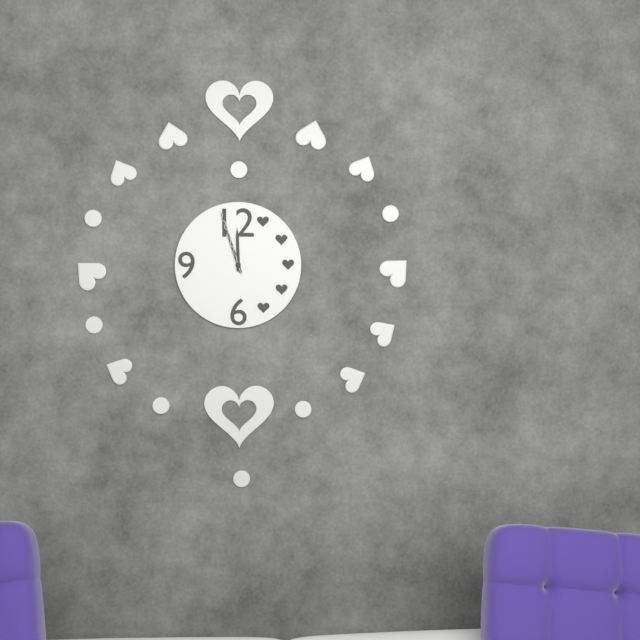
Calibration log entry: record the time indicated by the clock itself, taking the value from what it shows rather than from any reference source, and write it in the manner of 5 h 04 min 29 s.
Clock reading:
11 h 57 min 57 s
